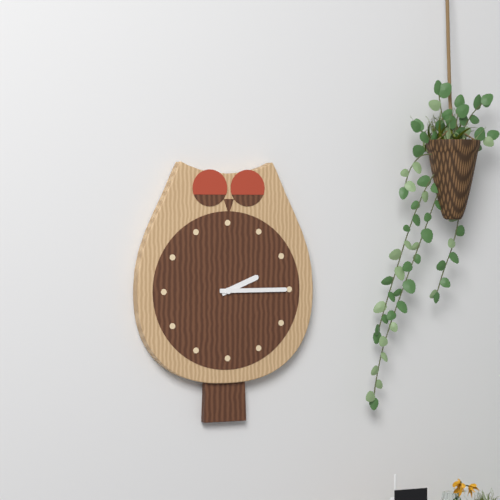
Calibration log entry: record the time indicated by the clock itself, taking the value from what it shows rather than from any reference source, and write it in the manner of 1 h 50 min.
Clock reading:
2 h 15 min
